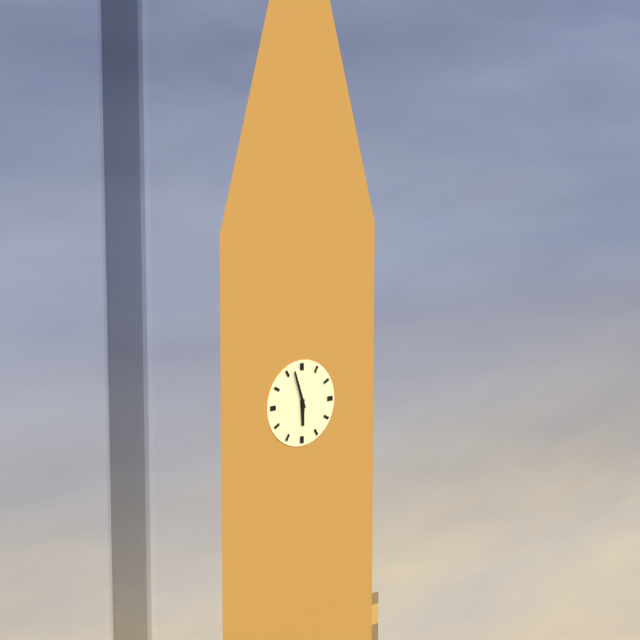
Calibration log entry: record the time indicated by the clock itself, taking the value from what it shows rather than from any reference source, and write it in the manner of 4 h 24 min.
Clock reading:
5 h 57 min
